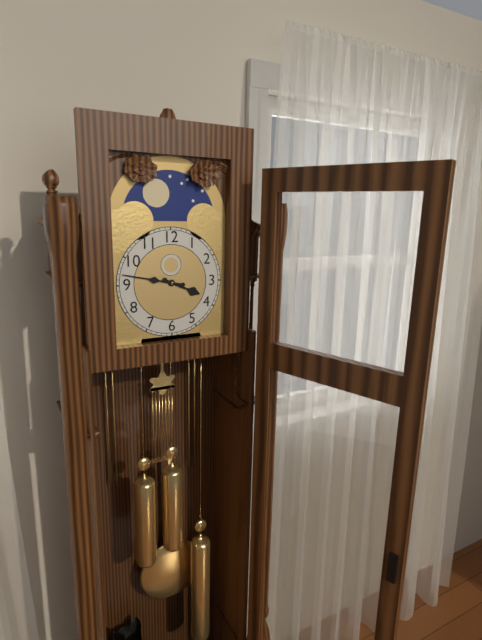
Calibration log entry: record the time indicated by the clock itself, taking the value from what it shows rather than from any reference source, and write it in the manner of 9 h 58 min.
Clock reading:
3 h 47 min
